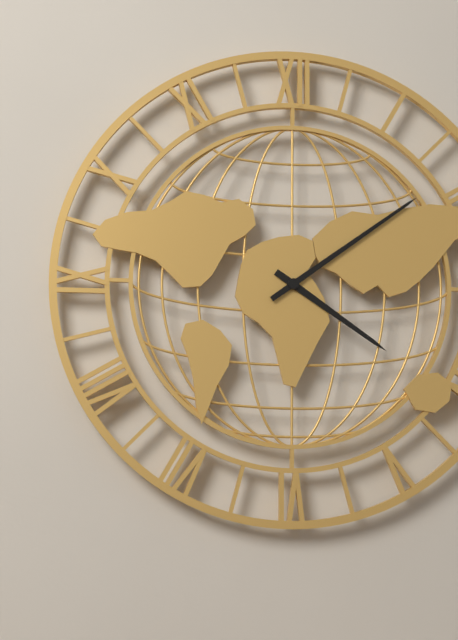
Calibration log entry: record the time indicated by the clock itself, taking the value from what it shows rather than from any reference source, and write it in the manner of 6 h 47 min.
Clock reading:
4 h 09 min
